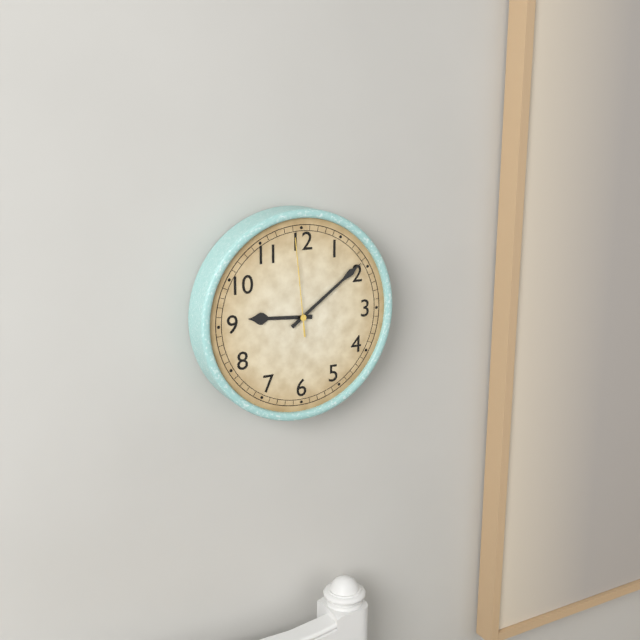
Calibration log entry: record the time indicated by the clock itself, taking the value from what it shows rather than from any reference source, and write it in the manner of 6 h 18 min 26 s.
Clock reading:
9 h 09 min 59 s
